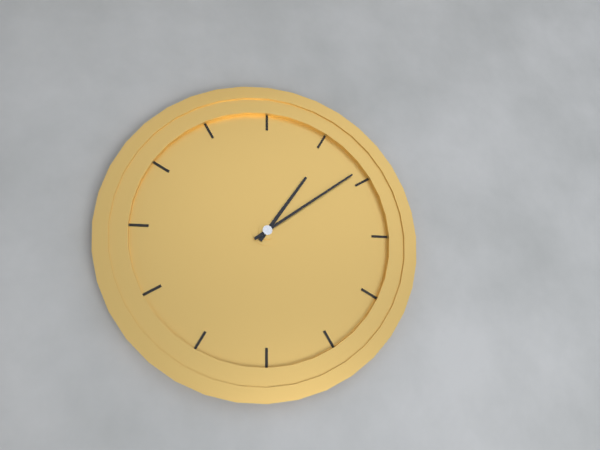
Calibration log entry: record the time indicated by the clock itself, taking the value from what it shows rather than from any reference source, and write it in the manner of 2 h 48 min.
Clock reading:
1 h 09 min
